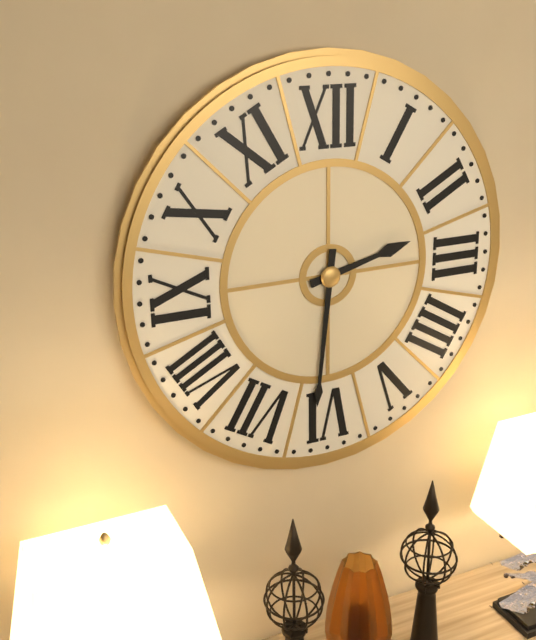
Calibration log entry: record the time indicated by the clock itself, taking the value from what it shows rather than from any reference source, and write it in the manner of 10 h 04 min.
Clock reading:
2 h 31 min
